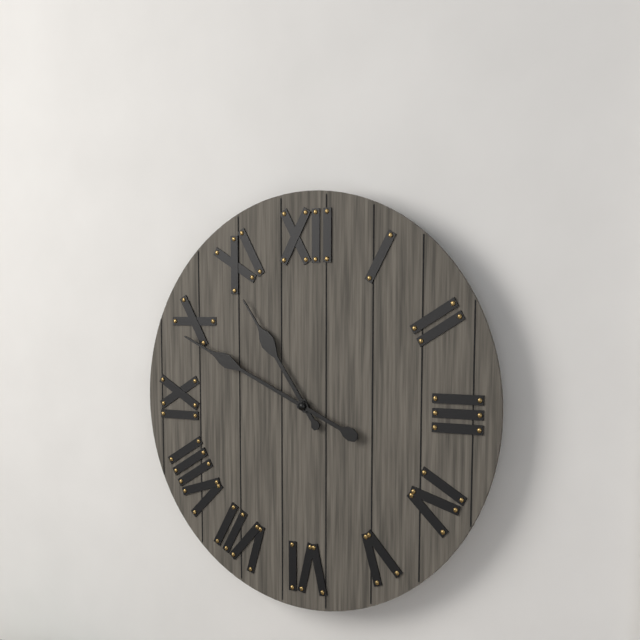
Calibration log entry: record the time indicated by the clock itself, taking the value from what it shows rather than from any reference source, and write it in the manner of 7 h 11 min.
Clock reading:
10 h 49 min
